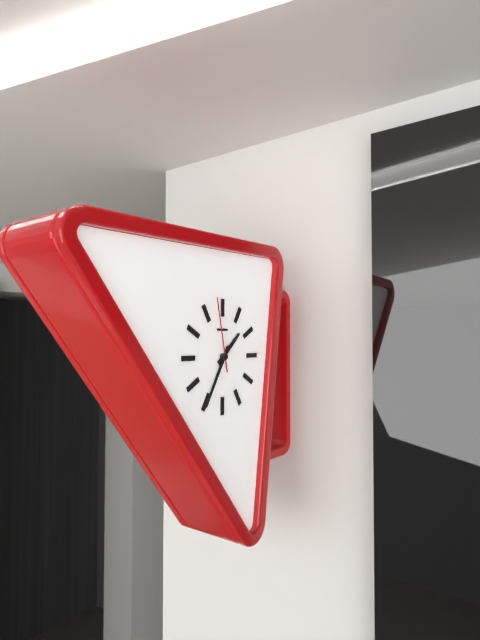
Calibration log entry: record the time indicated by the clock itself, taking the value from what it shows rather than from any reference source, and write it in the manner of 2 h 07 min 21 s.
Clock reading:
1 h 35 min 58 s
